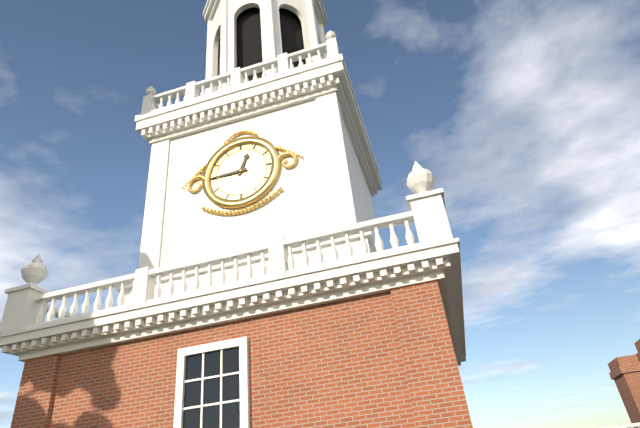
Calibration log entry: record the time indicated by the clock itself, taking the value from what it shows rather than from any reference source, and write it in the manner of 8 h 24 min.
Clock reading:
12 h 45 min
